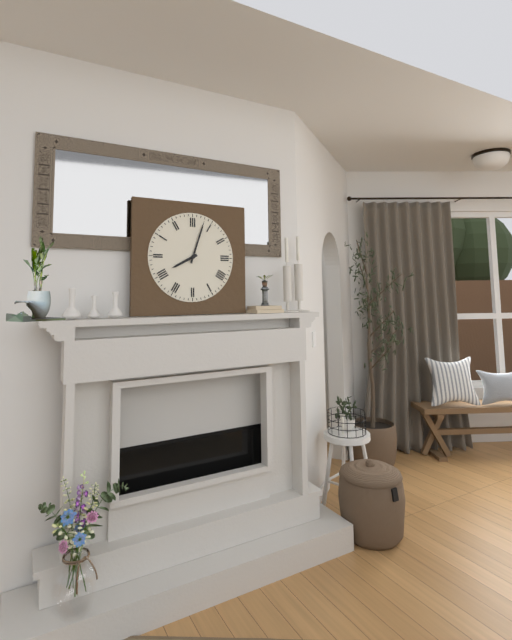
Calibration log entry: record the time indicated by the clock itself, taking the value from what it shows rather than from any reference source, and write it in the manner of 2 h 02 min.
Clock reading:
8 h 03 min
